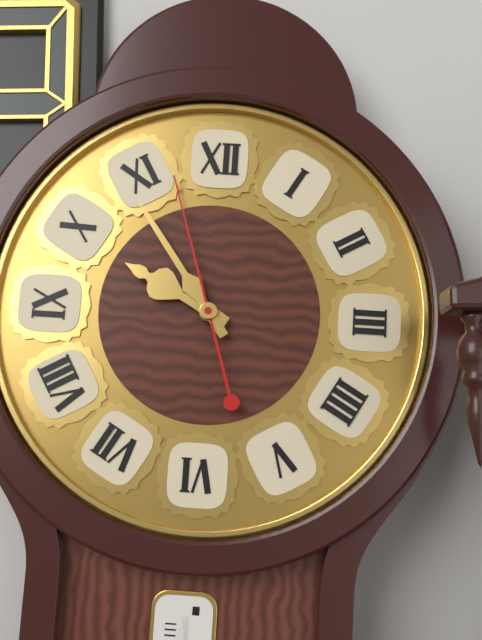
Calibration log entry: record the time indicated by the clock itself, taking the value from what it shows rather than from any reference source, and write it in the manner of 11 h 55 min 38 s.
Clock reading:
9 h 54 min 57 s
